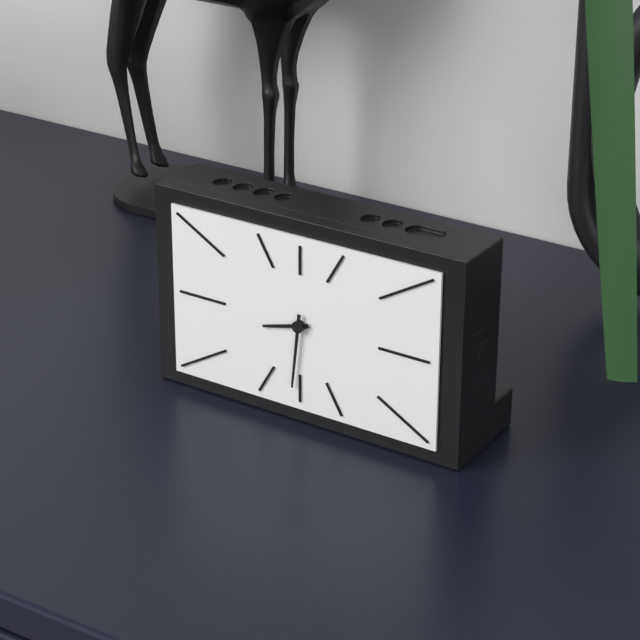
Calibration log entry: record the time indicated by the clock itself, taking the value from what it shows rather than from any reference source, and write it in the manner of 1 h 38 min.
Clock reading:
8 h 31 min
